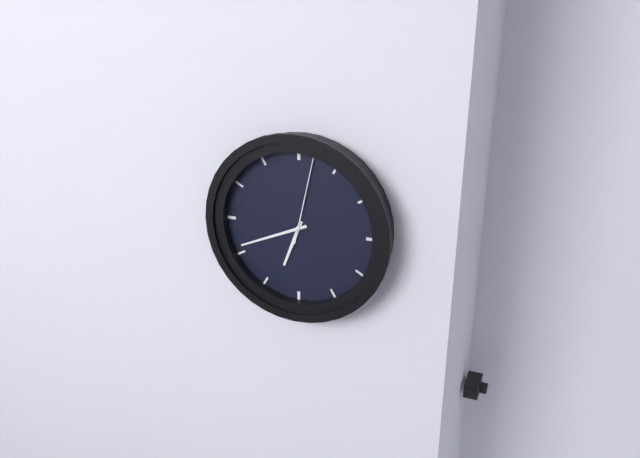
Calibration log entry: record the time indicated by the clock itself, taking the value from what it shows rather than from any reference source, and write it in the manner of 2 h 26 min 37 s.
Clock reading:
6 h 41 min 02 s
